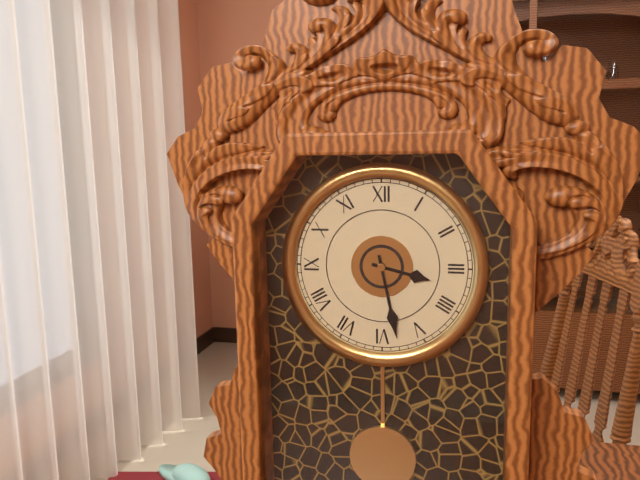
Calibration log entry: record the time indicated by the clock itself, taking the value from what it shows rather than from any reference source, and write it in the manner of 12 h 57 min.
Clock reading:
3 h 28 min
